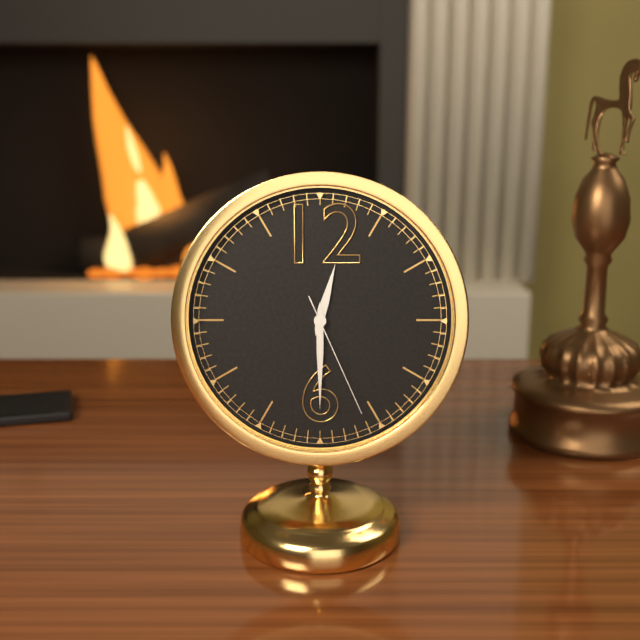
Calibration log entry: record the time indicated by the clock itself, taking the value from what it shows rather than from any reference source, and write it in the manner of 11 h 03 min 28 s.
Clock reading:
12 h 30 min 26 s
